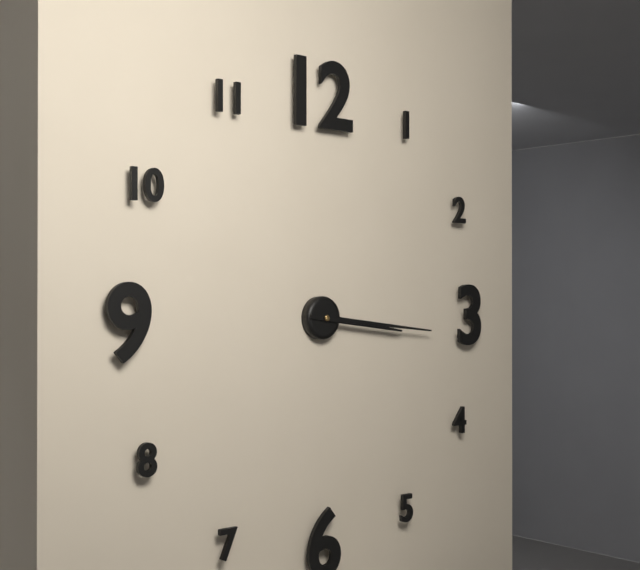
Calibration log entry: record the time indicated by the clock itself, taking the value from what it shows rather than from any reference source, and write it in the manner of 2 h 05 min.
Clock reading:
3 h 16 min
